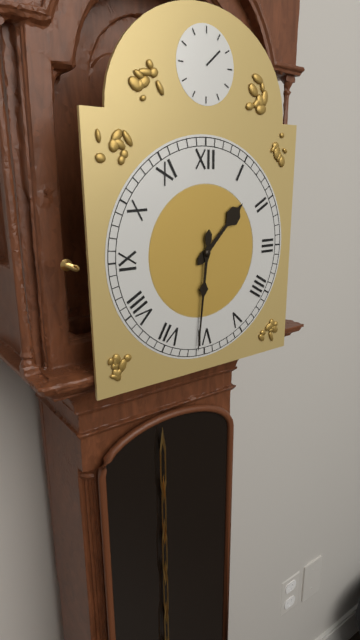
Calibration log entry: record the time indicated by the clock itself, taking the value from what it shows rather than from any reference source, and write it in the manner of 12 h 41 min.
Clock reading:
1 h 31 min
